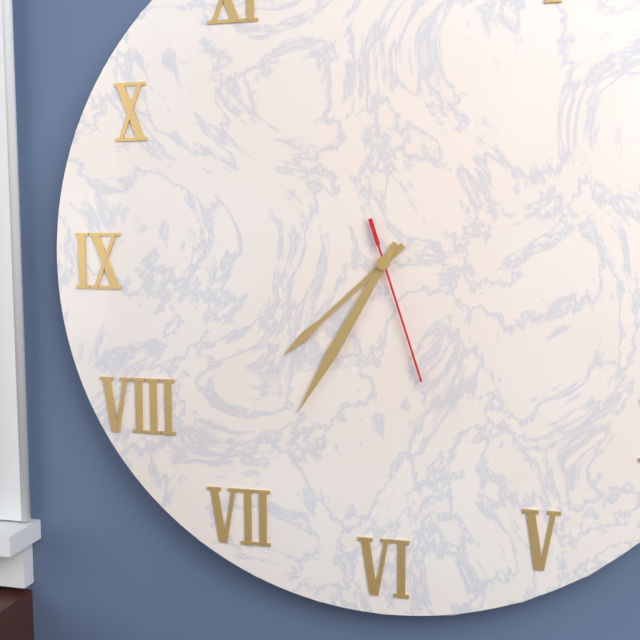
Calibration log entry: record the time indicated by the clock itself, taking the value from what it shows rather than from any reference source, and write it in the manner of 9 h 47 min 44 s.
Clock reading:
7 h 35 min 27 s
